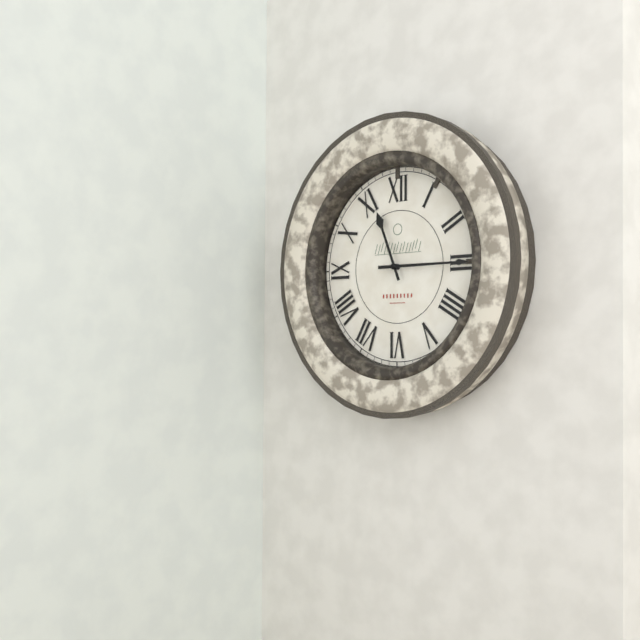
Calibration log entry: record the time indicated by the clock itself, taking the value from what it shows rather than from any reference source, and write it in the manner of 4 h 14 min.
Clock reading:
11 h 15 min
